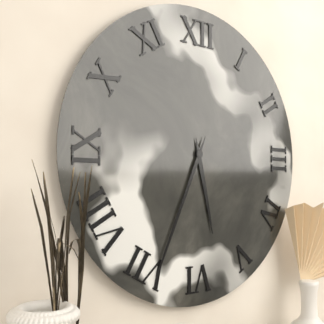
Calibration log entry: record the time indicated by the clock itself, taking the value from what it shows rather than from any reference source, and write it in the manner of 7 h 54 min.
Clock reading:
5 h 34 min
